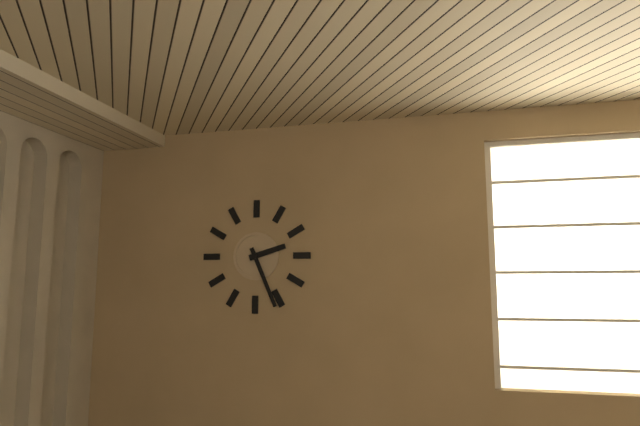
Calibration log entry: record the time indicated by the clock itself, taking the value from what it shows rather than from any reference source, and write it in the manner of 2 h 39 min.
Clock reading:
2 h 26 min
